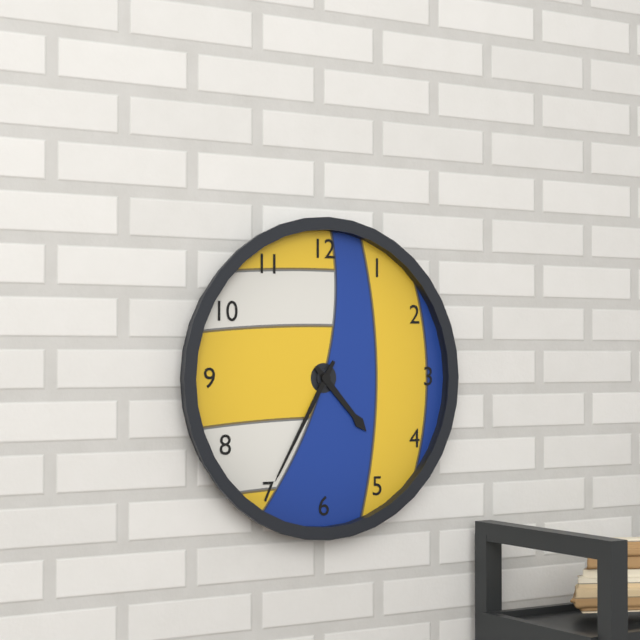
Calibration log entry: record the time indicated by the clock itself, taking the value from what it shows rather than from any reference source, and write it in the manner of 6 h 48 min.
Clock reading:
4 h 35 min
